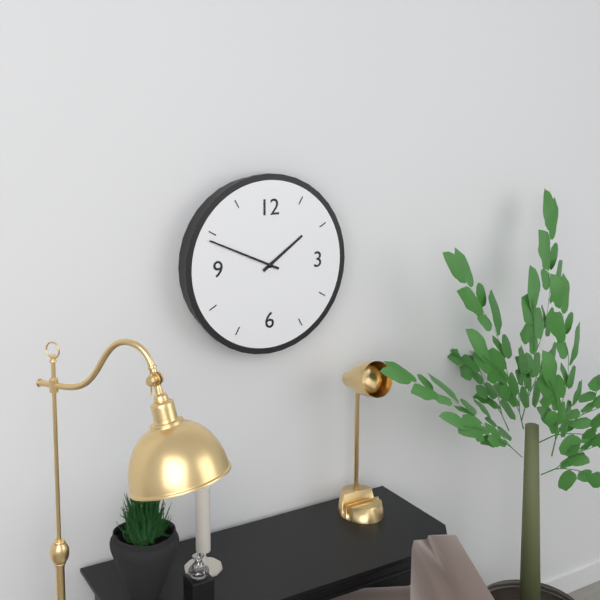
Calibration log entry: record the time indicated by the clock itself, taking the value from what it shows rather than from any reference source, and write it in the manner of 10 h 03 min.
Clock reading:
1 h 49 min
